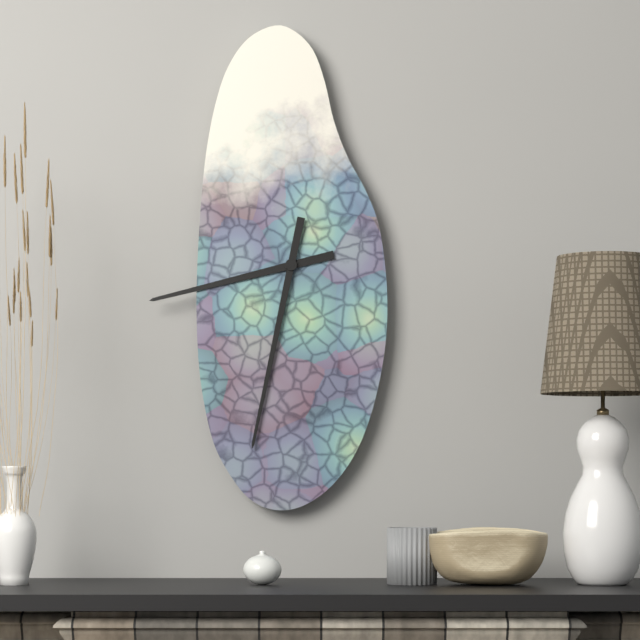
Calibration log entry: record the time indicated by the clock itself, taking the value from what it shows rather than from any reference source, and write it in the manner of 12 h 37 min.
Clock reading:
8 h 32 min
